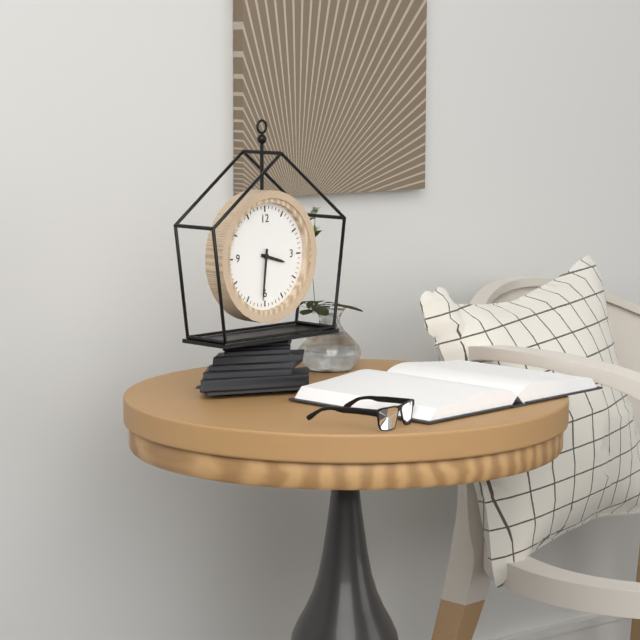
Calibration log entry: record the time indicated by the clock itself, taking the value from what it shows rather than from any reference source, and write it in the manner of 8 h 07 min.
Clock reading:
3 h 31 min
